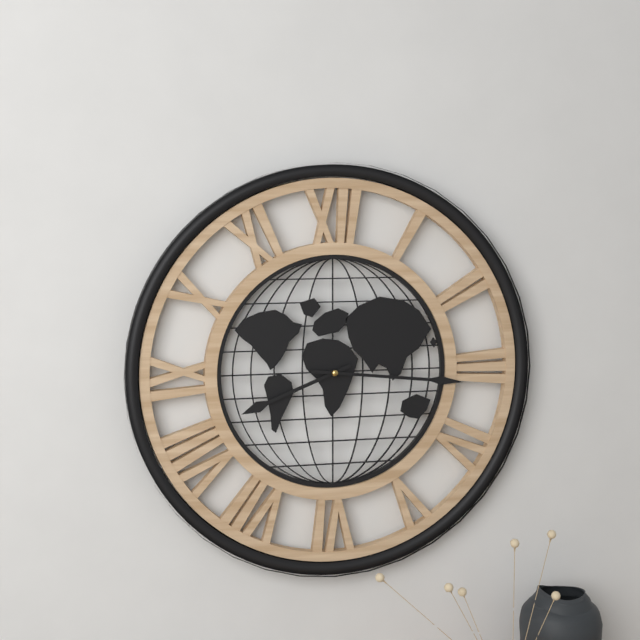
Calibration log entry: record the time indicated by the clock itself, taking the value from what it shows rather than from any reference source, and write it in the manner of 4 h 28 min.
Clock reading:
8 h 16 min
